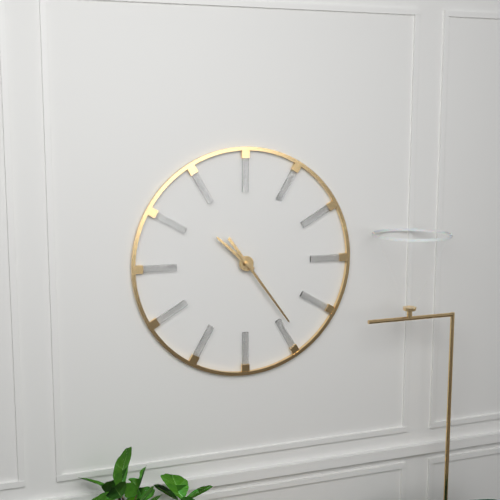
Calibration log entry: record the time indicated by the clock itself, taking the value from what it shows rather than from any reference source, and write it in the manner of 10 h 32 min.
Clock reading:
10 h 24 min
